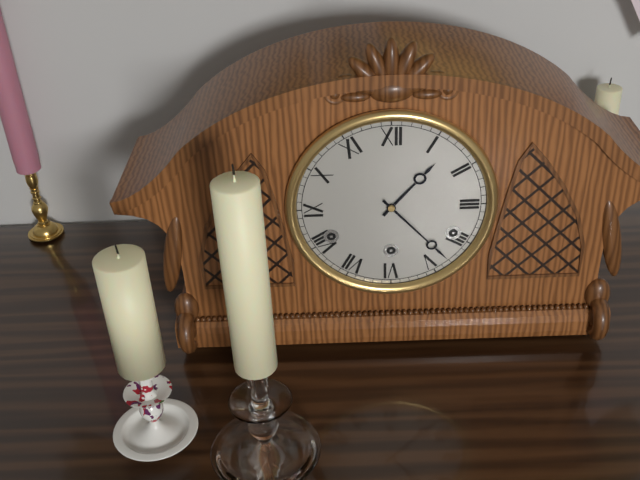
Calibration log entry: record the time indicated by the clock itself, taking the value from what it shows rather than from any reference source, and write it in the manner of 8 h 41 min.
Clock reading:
1 h 23 min
